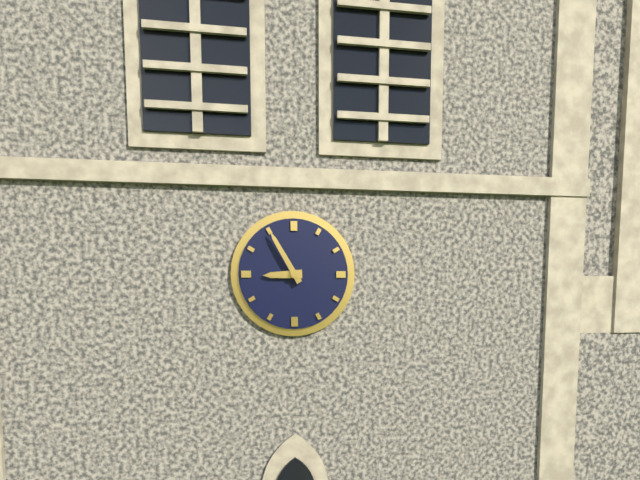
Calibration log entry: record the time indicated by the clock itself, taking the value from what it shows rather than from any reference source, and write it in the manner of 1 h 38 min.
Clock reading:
8 h 55 min
